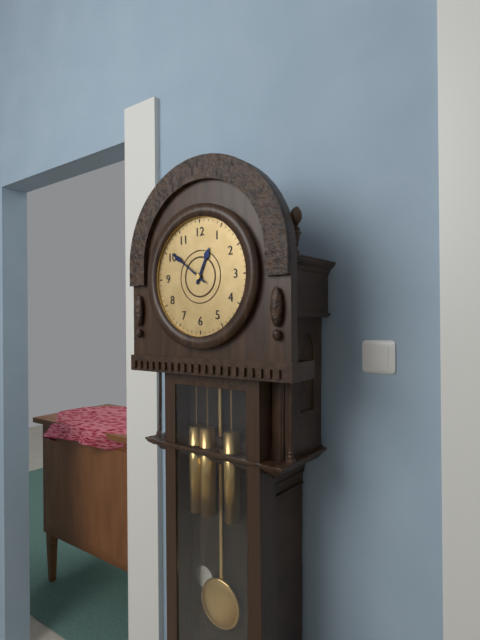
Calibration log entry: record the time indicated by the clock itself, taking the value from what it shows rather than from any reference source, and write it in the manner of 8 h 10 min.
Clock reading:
12 h 51 min
